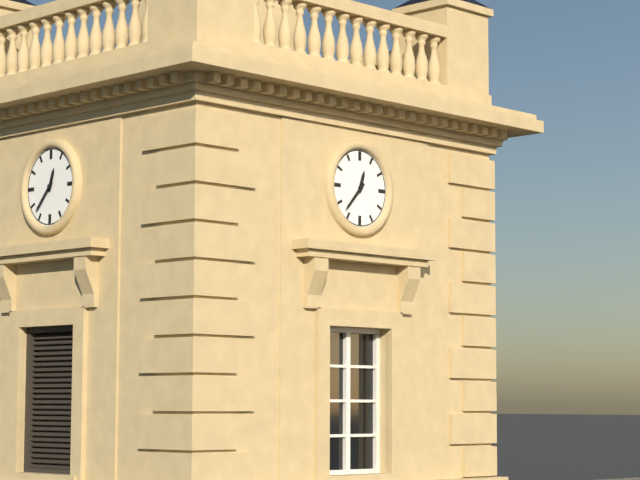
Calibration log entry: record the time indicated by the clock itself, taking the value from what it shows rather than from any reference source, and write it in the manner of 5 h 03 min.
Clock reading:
12 h 37 min
